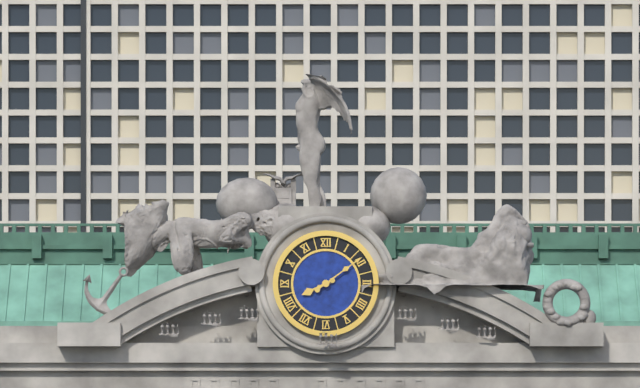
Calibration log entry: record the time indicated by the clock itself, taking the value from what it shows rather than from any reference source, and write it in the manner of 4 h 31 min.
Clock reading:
8 h 09 min
